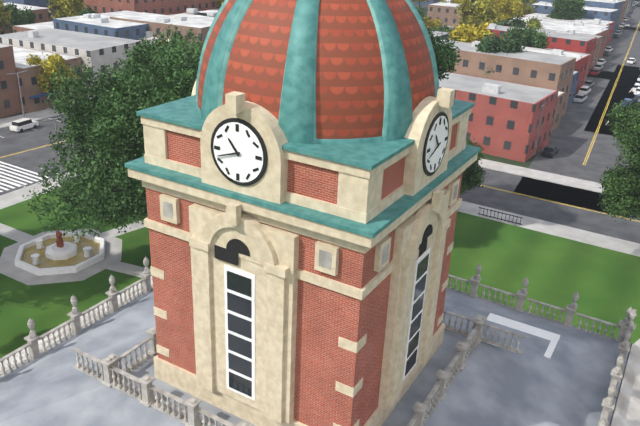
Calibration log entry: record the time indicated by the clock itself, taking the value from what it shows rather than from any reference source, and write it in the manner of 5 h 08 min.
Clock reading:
10 h 42 min
